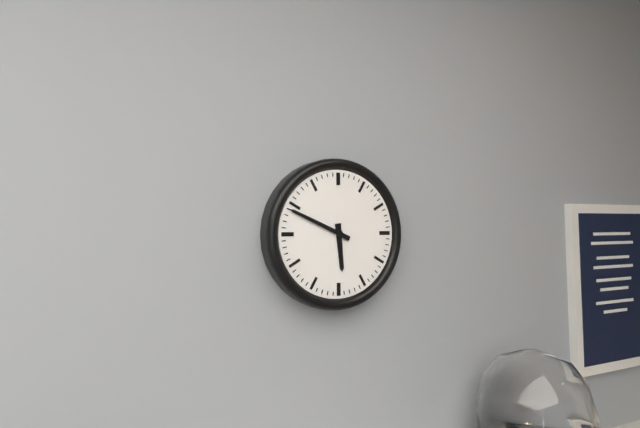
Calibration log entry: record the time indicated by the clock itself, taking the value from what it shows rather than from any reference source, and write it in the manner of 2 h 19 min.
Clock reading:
5 h 49 min
